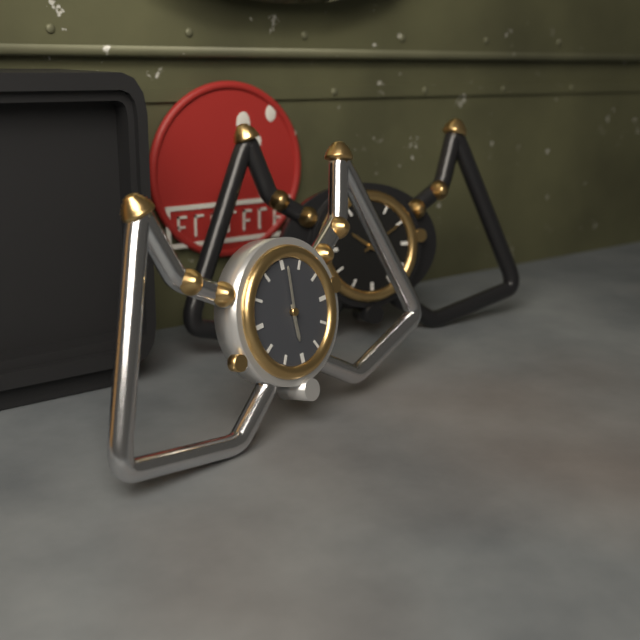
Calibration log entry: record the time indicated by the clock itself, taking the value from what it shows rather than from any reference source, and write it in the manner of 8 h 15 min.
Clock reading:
6 h 01 min
